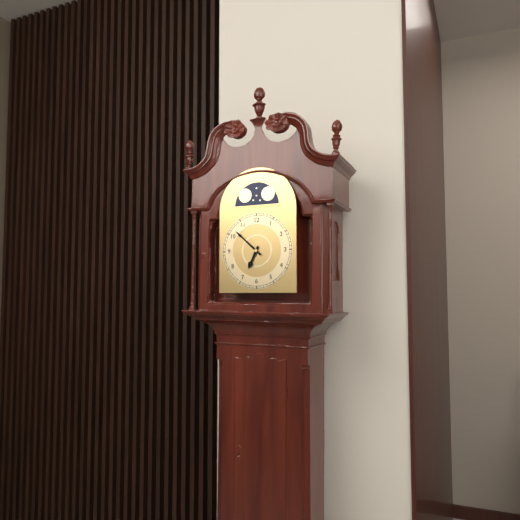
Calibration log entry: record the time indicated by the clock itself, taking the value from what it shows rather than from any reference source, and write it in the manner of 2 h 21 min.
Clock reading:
6 h 52 min
